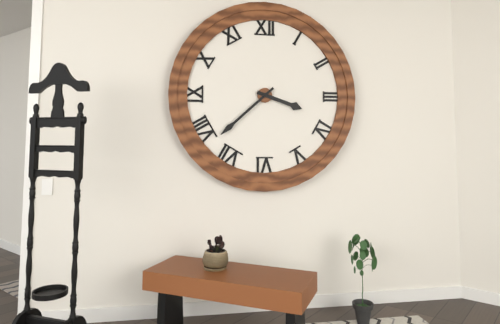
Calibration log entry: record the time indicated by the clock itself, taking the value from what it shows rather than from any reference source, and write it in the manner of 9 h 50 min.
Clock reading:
3 h 38 min
